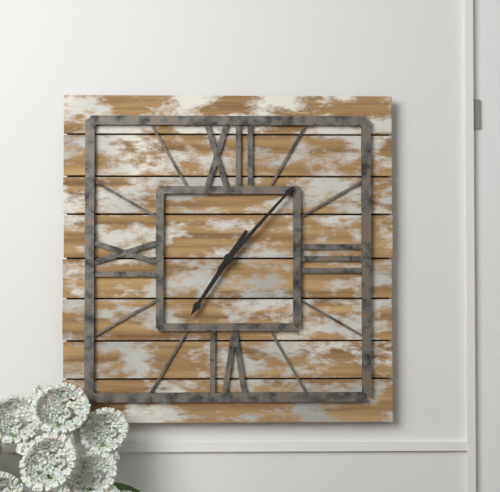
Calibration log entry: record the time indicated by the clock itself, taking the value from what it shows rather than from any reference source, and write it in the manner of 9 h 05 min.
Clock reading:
7 h 07 min
